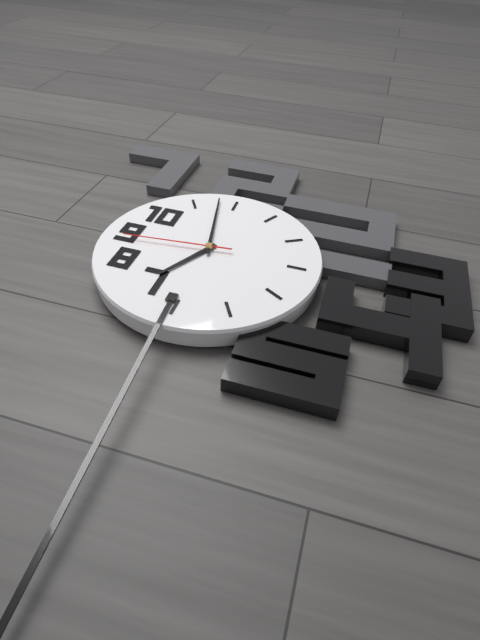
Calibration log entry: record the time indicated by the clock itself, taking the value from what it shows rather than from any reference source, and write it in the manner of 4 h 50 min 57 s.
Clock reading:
6 h 58 min 44 s
